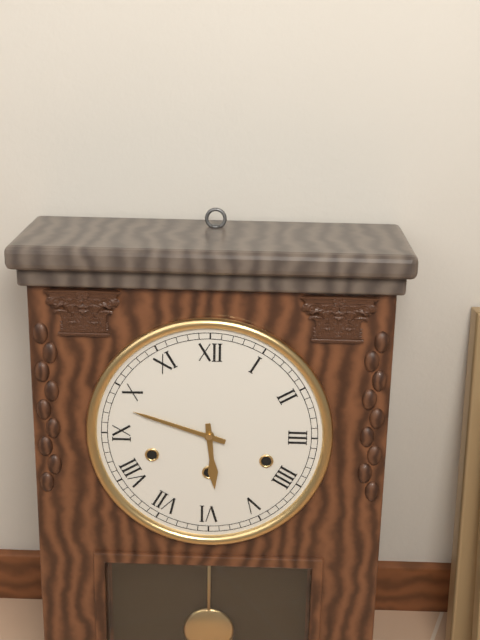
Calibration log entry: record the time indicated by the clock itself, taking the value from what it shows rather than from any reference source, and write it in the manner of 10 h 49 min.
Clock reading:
5 h 48 min
